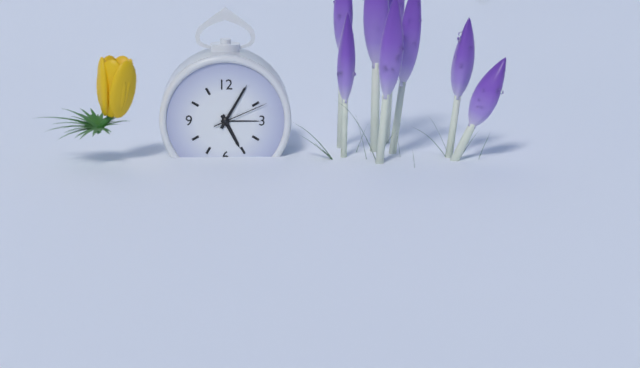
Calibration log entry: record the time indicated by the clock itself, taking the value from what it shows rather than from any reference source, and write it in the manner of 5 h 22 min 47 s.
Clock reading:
5 h 05 min 11 s
